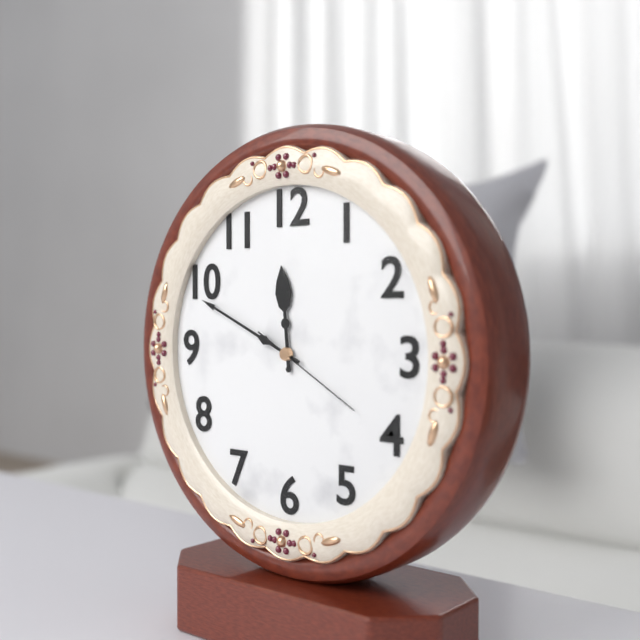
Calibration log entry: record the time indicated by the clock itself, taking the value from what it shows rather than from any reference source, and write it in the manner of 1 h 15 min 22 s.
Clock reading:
11 h 49 min 20 s
